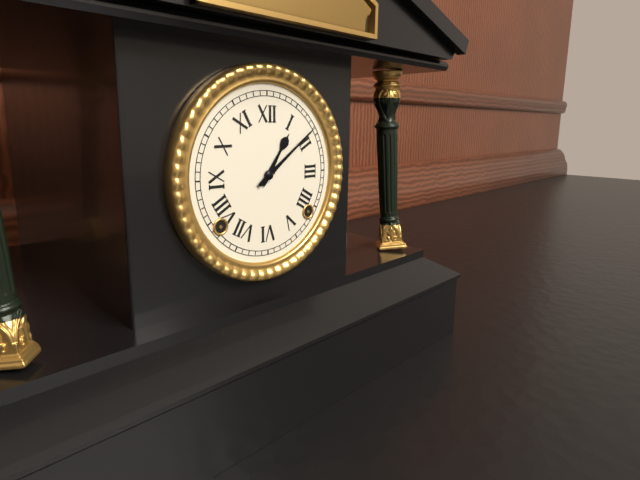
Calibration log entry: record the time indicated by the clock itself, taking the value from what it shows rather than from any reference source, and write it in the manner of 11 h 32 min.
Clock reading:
1 h 09 min
